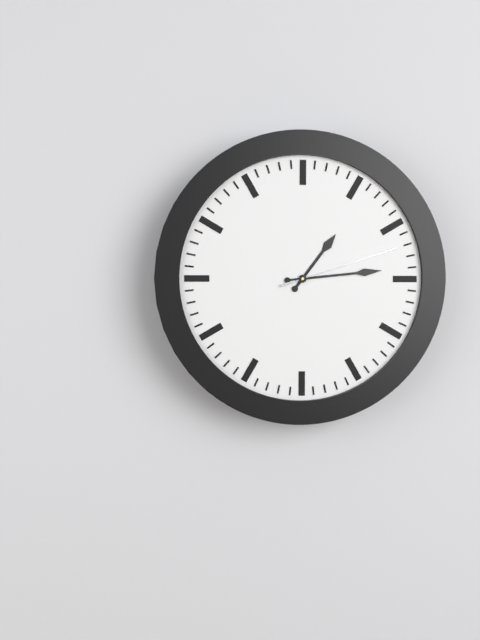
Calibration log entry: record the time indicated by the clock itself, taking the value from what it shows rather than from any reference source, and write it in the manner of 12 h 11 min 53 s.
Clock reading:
1 h 14 min 12 s
